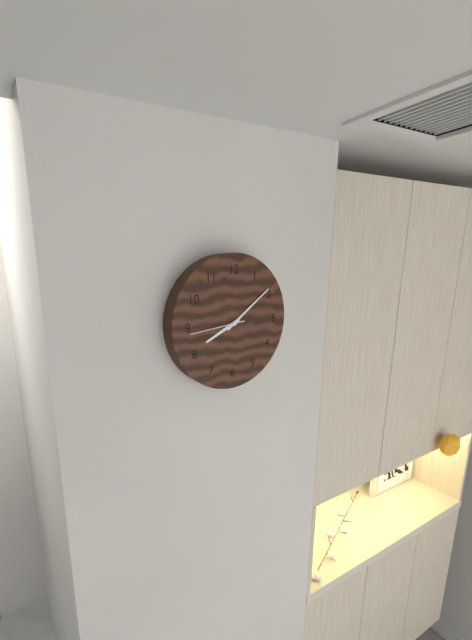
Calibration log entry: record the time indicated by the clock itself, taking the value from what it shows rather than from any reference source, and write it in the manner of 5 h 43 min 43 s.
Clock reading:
8 h 09 min 44 s
